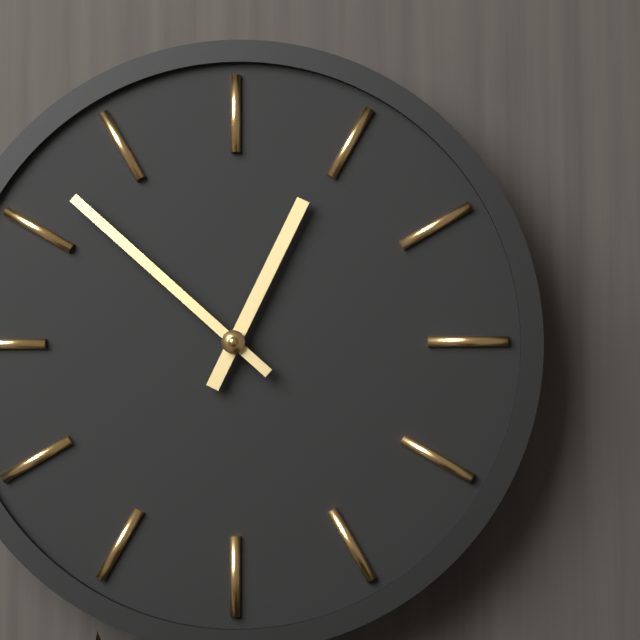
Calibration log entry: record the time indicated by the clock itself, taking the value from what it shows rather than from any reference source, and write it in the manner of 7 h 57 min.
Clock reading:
12 h 52 min
